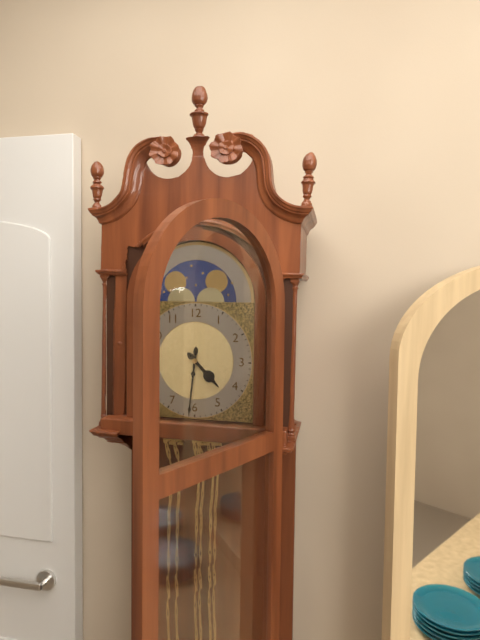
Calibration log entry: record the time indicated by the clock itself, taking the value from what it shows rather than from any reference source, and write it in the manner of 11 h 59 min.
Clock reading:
4 h 31 min
